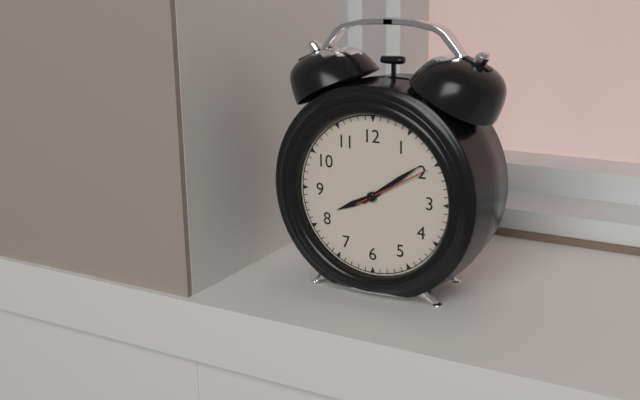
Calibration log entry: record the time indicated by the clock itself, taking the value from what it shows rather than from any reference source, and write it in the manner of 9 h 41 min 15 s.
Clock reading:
8 h 09 min 10 s
